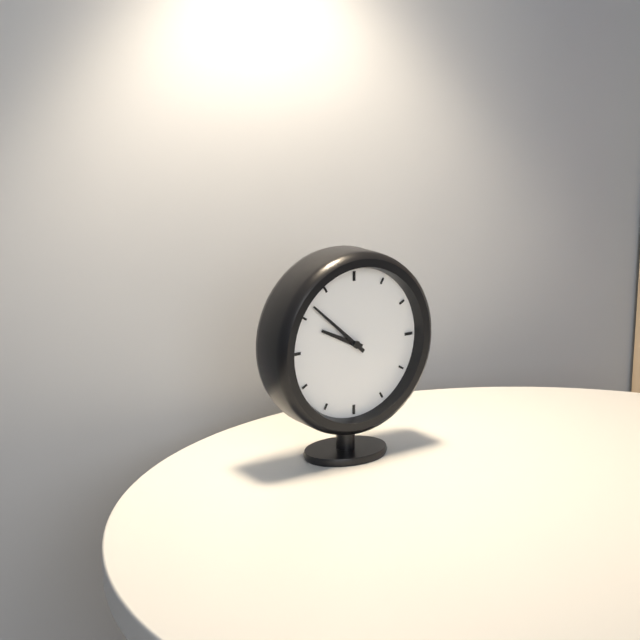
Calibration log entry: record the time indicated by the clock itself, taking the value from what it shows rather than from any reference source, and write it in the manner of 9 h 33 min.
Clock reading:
9 h 52 min
